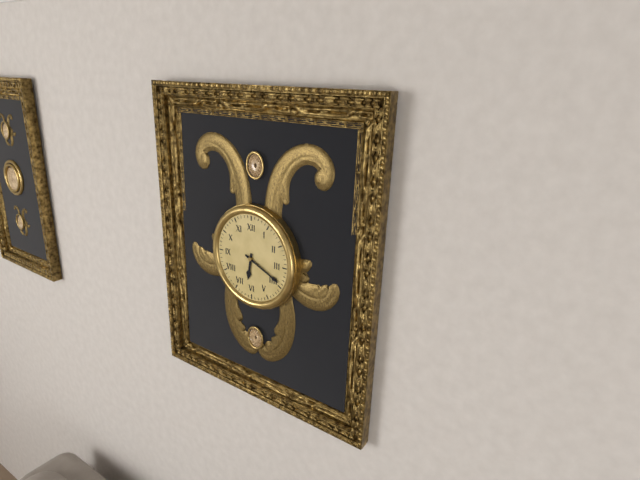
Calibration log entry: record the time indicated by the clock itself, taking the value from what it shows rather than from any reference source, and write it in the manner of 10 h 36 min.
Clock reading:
6 h 19 min
